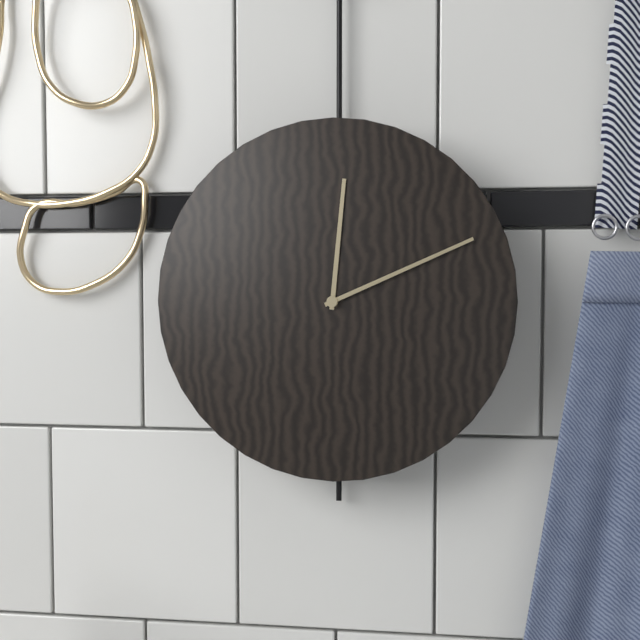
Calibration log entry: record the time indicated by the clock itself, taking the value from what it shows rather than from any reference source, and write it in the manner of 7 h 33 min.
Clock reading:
12 h 11 min
